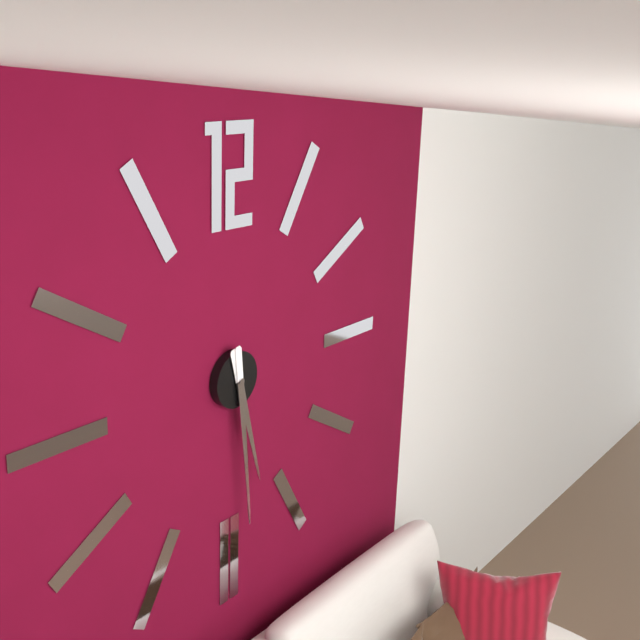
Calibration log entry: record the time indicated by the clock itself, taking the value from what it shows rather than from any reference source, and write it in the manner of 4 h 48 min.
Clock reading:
5 h 29 min
